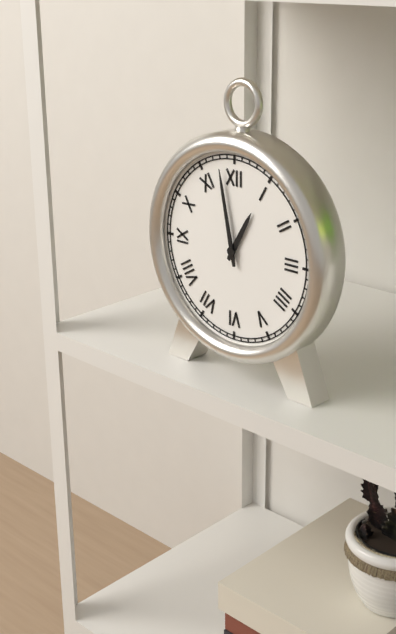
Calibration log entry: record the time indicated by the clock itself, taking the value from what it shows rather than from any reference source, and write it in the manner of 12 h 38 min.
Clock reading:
12 h 58 min
